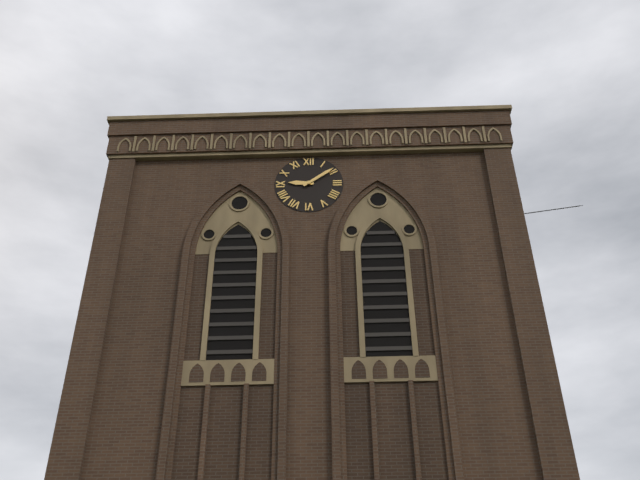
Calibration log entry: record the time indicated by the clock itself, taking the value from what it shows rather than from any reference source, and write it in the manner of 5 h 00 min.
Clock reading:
9 h 09 min
